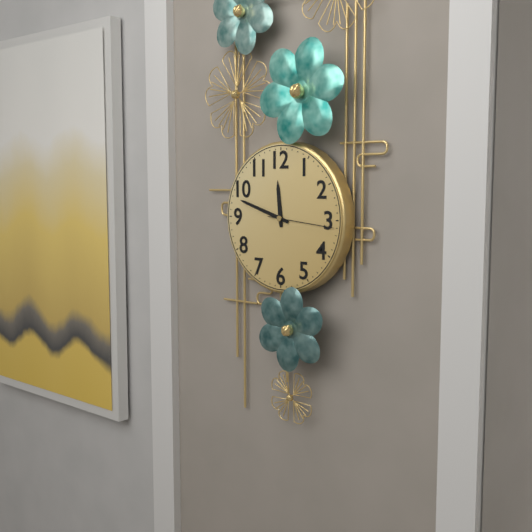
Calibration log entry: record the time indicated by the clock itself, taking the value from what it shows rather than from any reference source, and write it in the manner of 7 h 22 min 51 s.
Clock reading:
11 h 48 min 16 s
